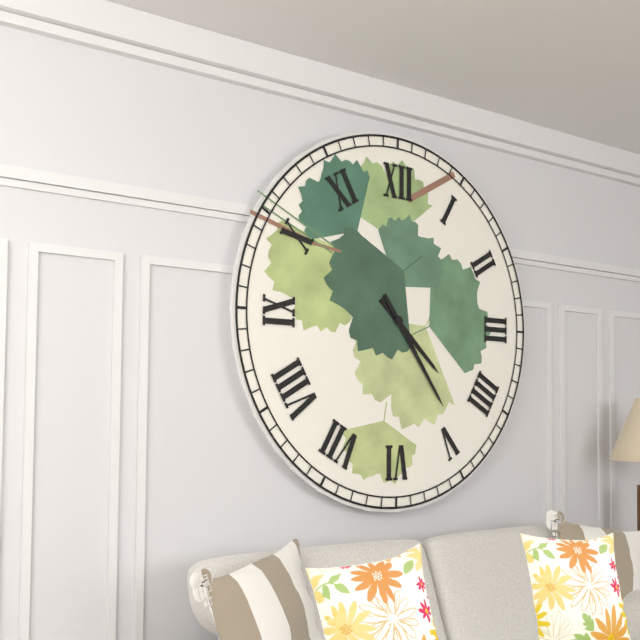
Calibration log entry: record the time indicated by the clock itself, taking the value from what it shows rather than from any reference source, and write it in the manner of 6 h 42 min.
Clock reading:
4 h 24 min
